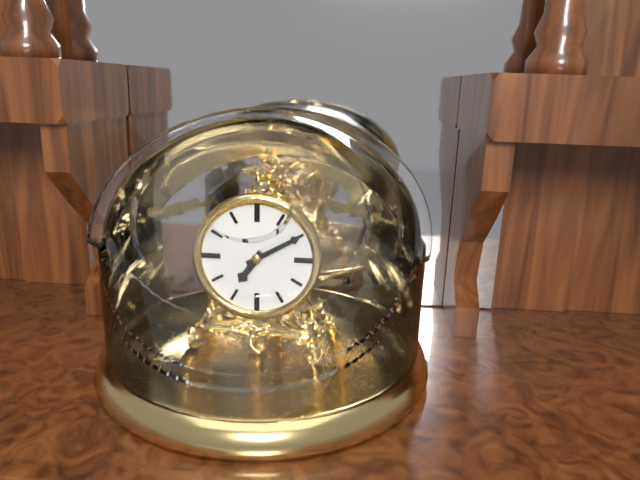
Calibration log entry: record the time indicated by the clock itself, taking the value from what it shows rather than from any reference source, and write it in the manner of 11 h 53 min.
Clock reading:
7 h 10 min
